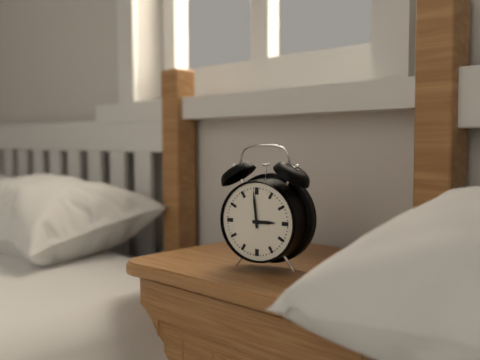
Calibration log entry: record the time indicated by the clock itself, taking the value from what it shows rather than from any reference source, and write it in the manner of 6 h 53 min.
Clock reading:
2 h 59 min
